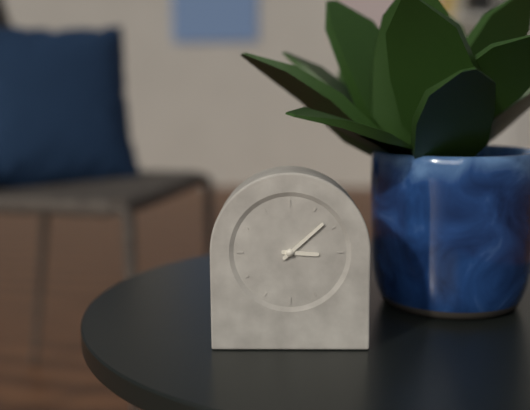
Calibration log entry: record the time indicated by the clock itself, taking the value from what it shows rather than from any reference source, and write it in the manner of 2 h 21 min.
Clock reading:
3 h 08 min
